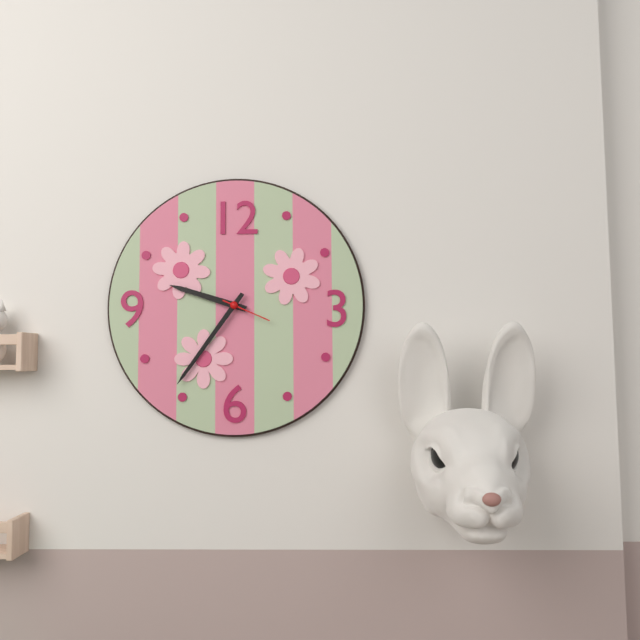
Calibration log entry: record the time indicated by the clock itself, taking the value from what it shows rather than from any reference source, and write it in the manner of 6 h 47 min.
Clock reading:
9 h 36 min
